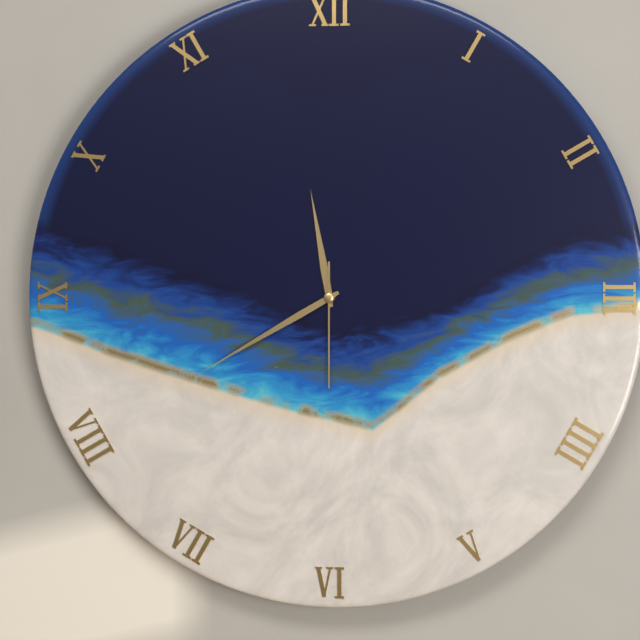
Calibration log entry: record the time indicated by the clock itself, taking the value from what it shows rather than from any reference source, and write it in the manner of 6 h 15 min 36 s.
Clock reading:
11 h 40 min 30 s
